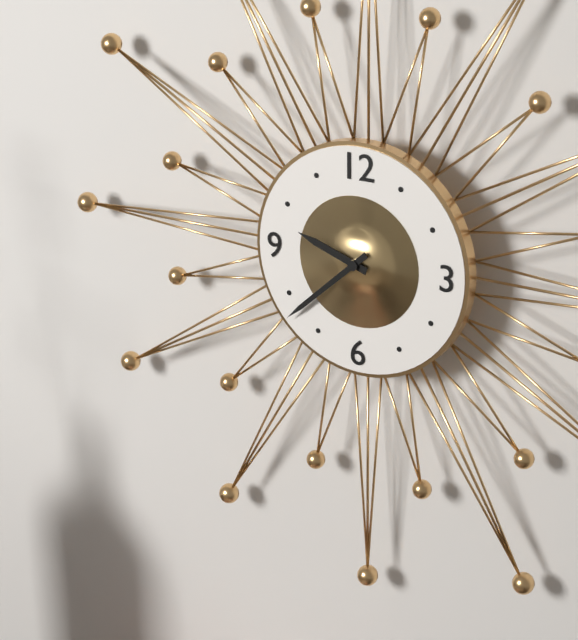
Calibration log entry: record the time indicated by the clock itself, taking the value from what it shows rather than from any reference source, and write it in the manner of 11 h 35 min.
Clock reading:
9 h 38 min
